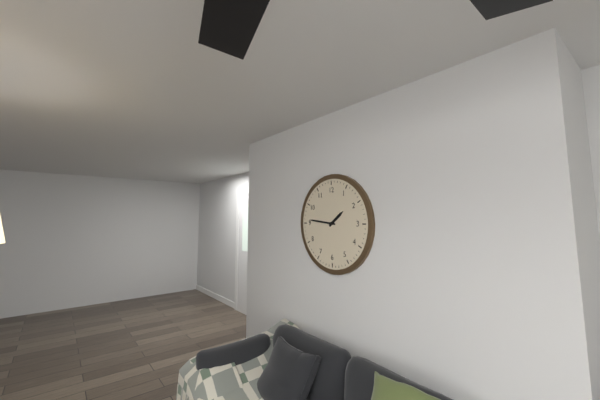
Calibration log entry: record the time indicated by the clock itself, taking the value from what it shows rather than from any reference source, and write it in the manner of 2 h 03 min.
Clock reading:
1 h 46 min
